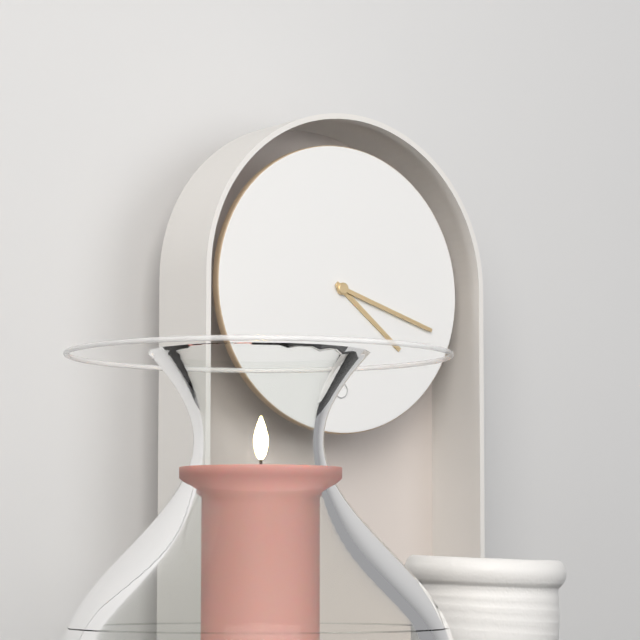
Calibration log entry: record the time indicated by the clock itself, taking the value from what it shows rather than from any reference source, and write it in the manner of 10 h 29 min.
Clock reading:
4 h 18 min
